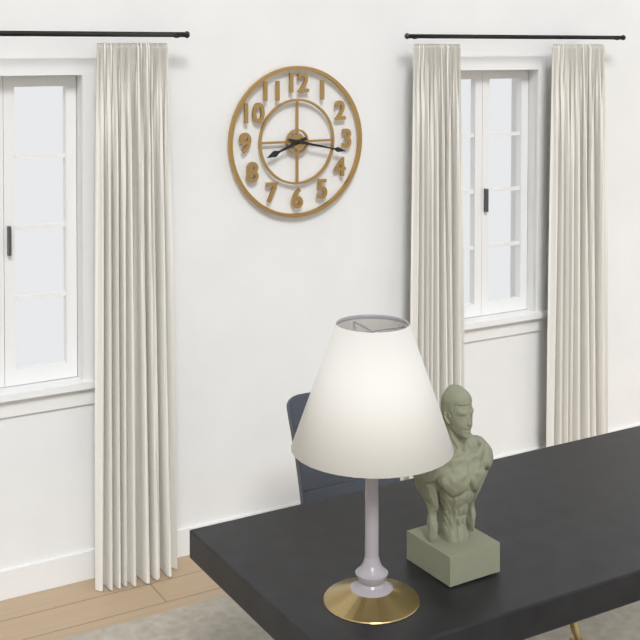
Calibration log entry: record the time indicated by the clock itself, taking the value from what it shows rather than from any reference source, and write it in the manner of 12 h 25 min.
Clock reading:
8 h 17 min
